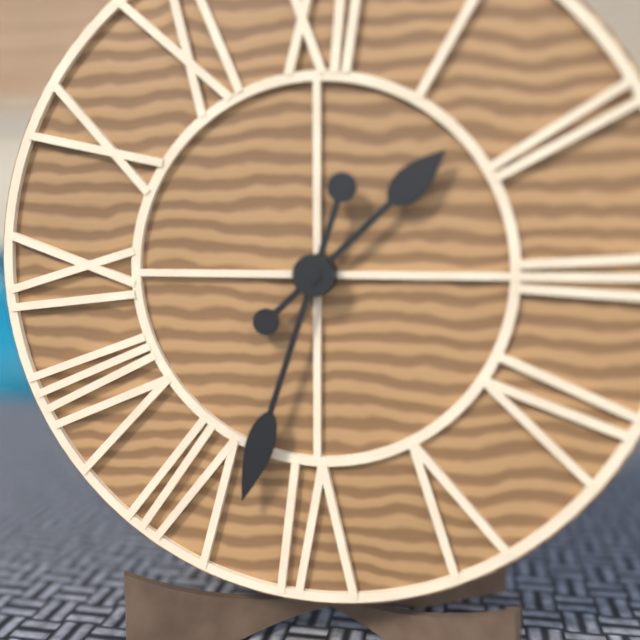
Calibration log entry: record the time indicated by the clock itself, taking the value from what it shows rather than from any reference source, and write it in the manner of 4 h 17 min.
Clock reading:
1 h 33 min
